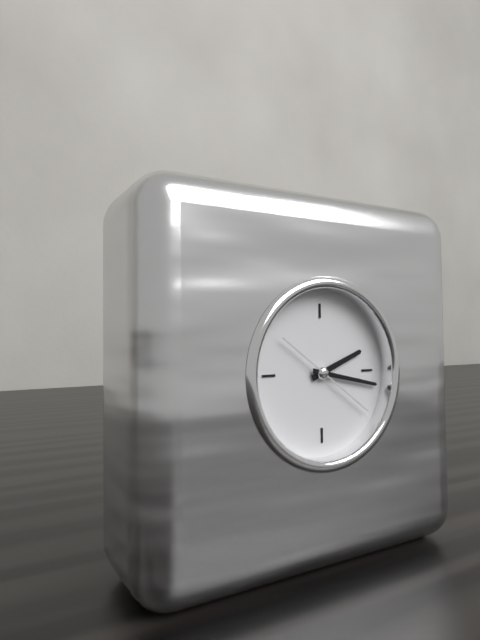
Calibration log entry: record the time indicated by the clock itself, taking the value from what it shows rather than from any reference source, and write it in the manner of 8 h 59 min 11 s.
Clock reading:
2 h 17 min 21 s
